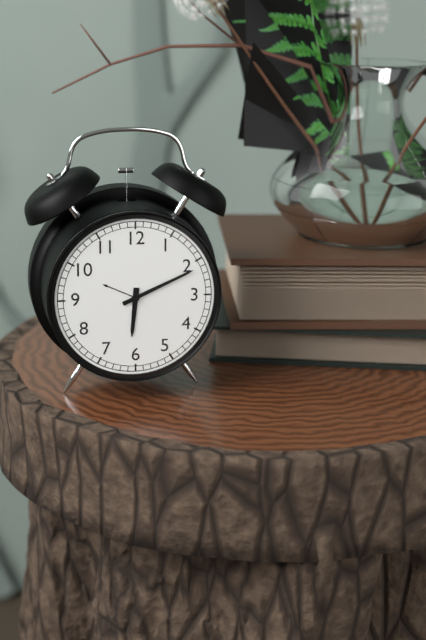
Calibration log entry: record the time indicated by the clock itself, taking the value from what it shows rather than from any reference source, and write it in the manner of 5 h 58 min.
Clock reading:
6 h 11 min
